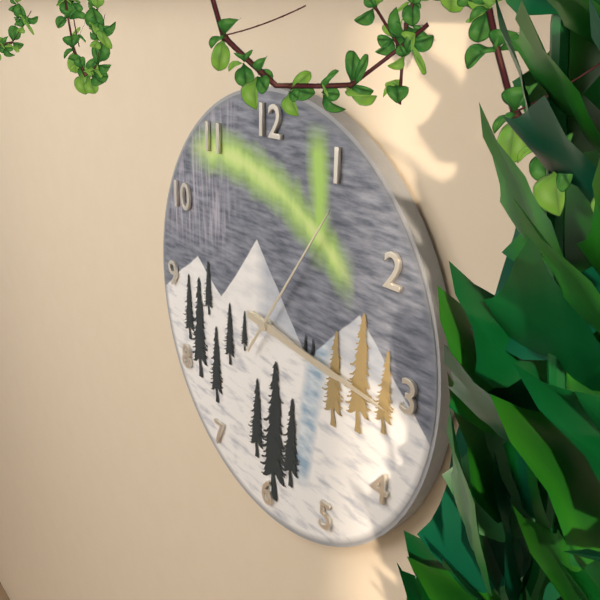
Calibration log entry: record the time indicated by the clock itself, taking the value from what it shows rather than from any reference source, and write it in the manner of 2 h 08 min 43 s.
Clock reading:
3 h 16 min 06 s
